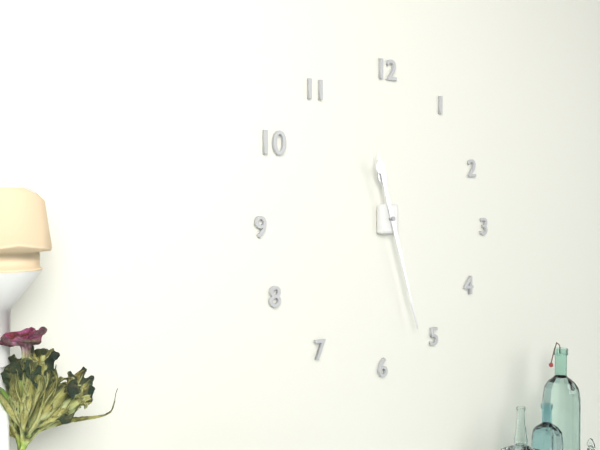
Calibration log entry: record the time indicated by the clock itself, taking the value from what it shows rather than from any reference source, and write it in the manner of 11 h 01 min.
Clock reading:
11 h 27 min
